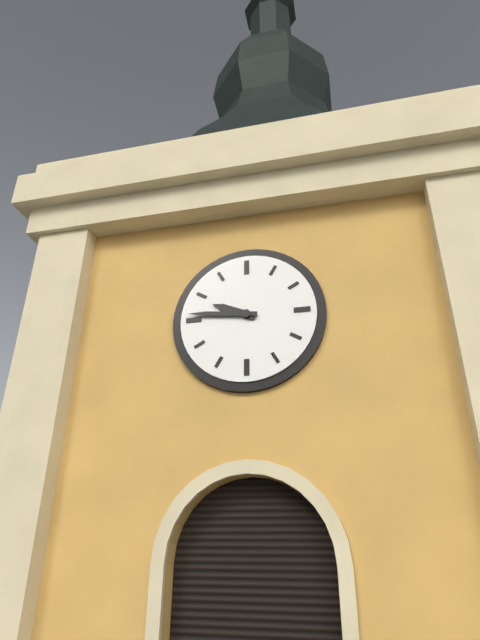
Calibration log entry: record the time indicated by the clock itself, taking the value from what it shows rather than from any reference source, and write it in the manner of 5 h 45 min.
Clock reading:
9 h 46 min
